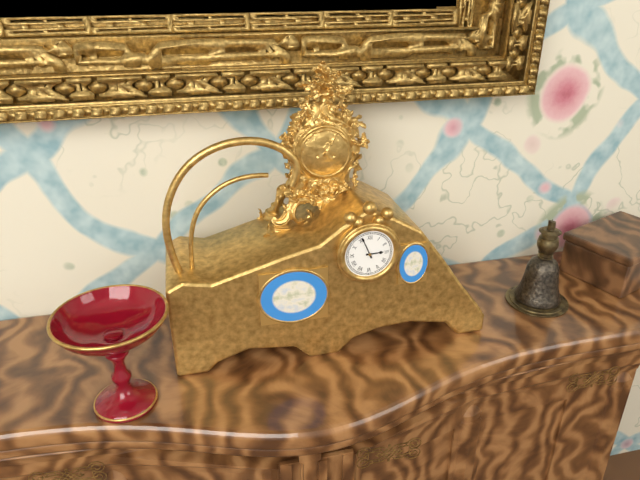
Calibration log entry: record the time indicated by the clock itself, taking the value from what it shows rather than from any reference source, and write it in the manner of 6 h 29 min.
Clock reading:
2 h 56 min
